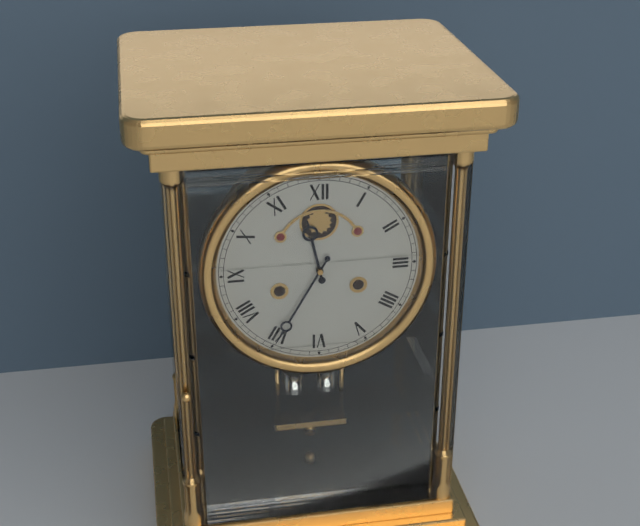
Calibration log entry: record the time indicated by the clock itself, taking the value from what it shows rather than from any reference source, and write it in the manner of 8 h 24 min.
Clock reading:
11 h 35 min
